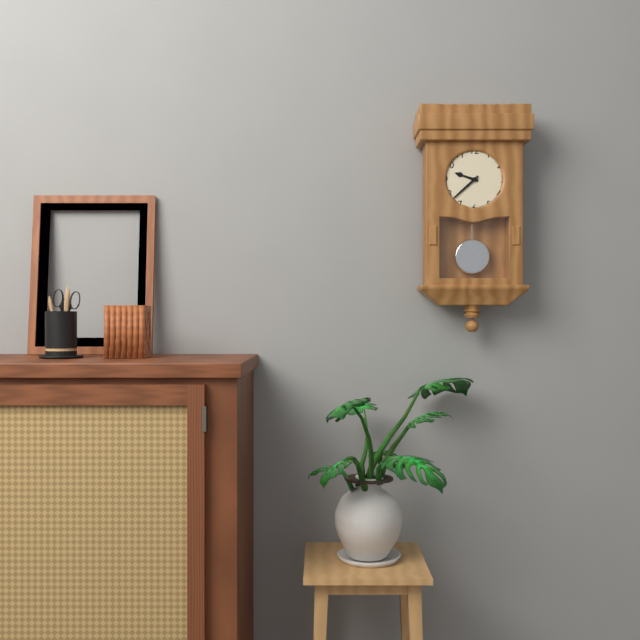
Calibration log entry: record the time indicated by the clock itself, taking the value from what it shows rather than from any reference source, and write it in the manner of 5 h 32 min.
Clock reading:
9 h 38 min
